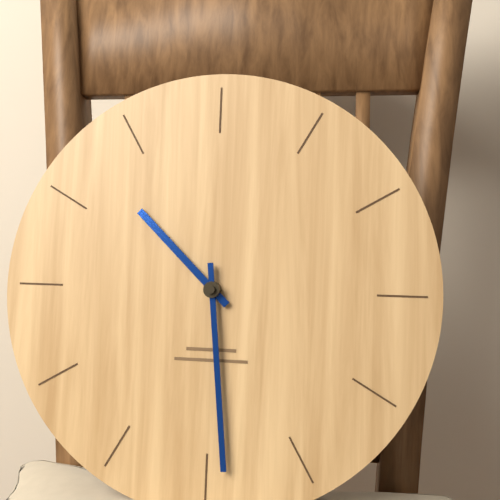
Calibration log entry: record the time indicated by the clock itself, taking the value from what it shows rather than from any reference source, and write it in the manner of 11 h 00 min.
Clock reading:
10 h 29 min
